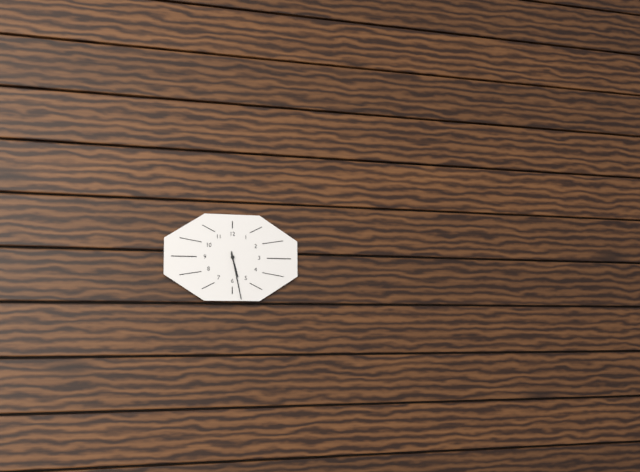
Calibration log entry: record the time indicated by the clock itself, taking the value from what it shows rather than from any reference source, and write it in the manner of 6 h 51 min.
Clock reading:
5 h 28 min
